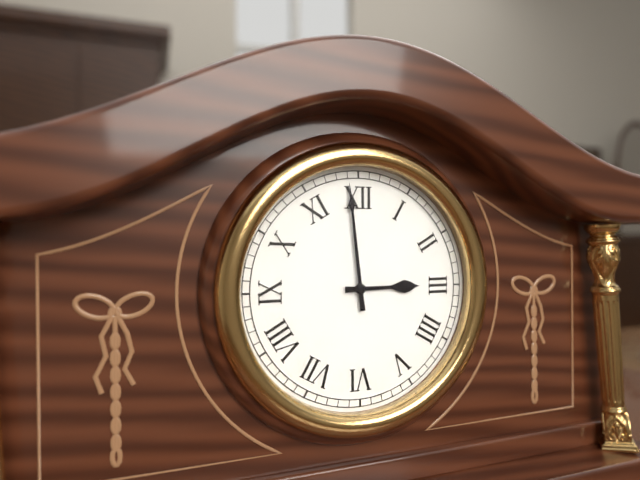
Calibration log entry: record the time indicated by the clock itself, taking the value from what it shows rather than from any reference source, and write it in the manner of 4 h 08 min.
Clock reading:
2 h 59 min
